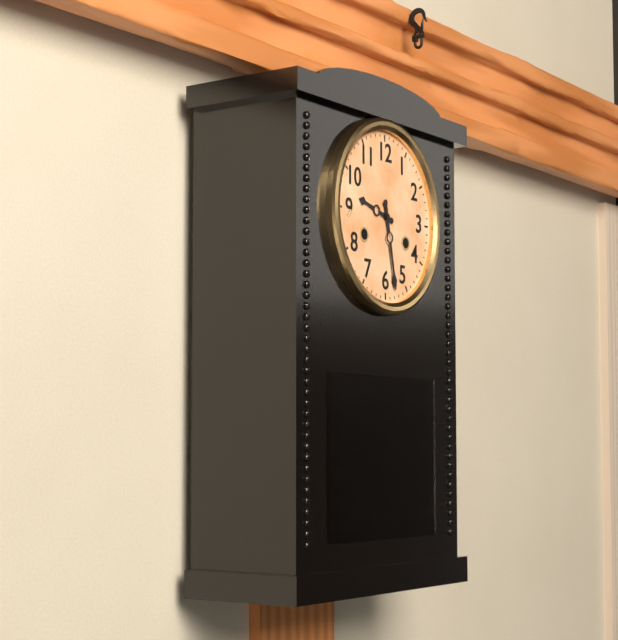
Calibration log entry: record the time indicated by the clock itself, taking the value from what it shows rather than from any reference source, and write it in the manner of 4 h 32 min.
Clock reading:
9 h 28 min
